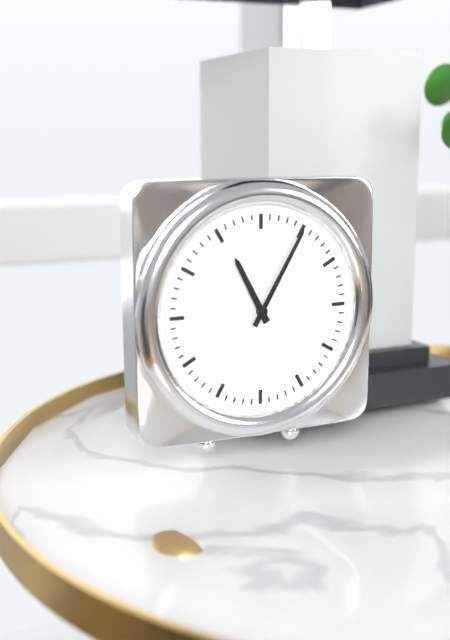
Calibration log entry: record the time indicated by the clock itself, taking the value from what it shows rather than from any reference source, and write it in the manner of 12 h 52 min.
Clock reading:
11 h 05 min
